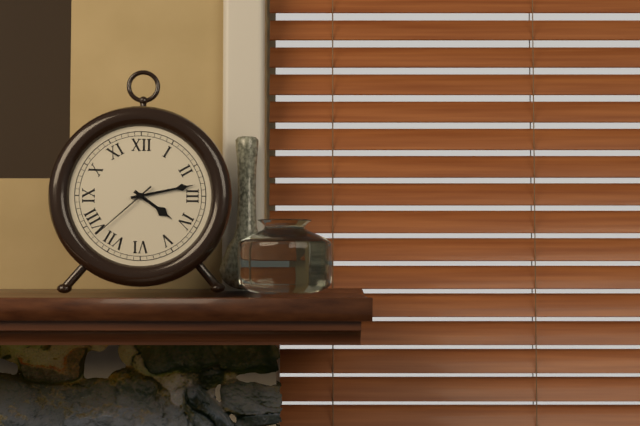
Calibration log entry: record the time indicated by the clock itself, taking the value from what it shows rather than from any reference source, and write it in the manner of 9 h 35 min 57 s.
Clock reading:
4 h 13 min 38 s
